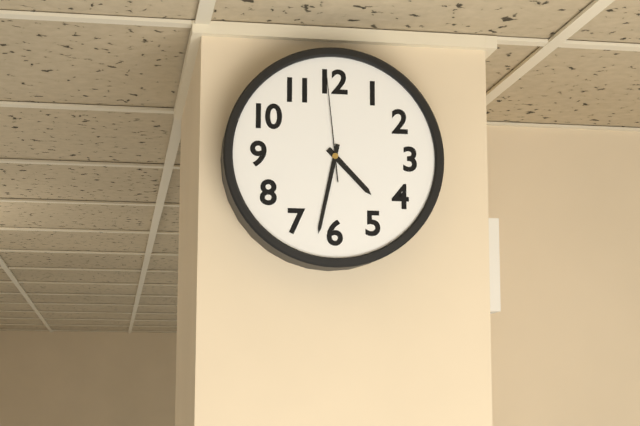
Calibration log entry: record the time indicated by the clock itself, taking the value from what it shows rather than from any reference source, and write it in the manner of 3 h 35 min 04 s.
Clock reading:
4 h 32 min 59 s
